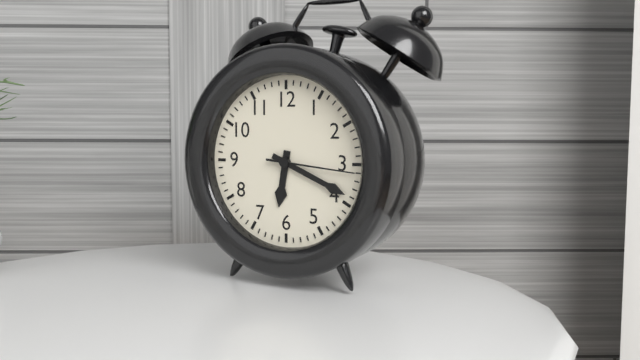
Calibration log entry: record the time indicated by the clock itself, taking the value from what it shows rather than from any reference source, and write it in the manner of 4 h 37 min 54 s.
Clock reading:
6 h 19 min 16 s
